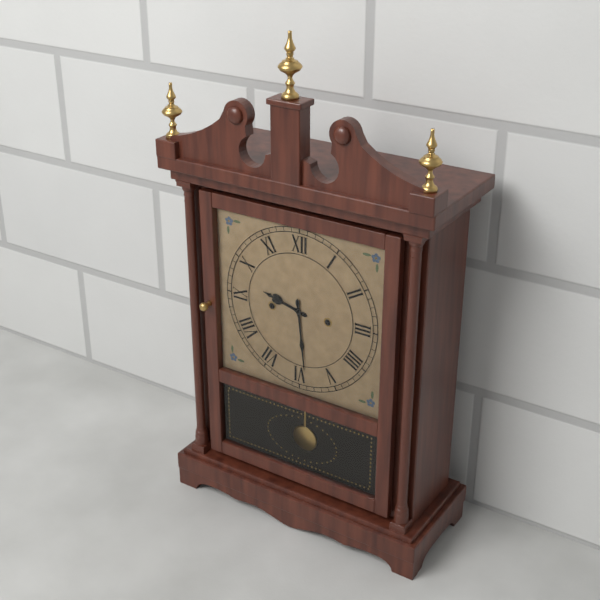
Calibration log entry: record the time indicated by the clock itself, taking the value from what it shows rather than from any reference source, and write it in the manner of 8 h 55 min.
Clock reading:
9 h 29 min
